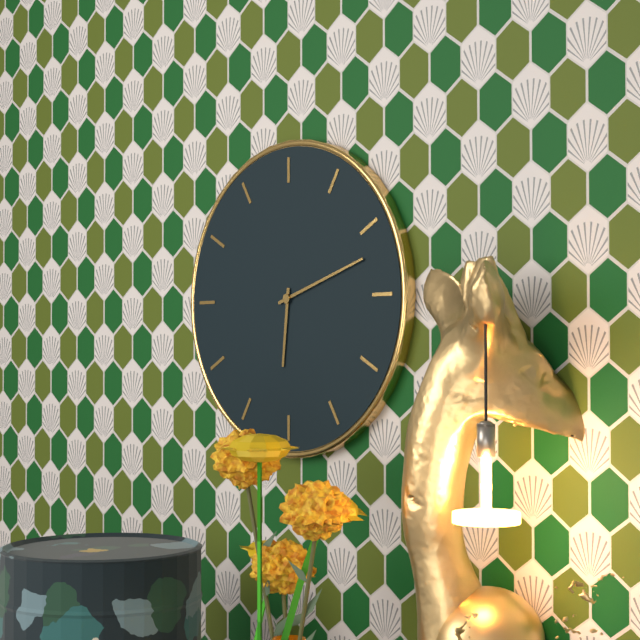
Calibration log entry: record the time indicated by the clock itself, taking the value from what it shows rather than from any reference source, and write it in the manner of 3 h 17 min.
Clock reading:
6 h 12 min
